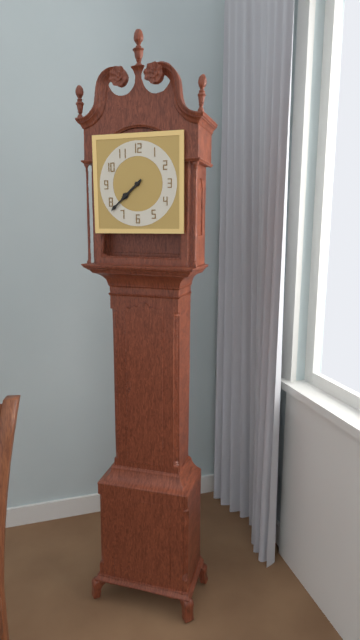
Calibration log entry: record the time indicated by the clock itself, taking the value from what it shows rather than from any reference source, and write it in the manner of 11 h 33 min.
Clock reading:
7 h 38 min
